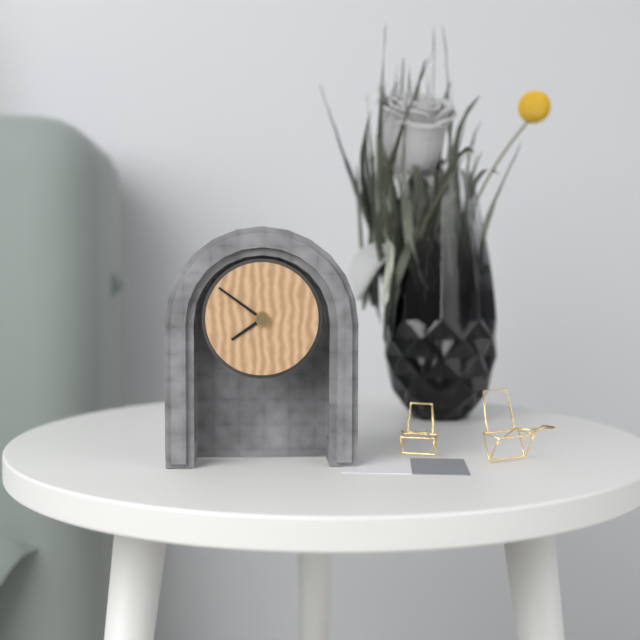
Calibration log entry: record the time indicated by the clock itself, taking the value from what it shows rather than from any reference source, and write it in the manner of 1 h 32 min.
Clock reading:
7 h 51 min
